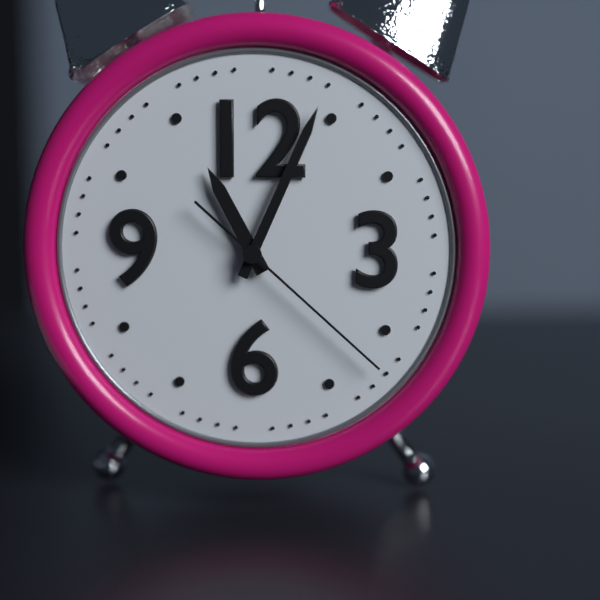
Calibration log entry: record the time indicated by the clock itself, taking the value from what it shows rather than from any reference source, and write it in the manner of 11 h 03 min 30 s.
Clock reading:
11 h 04 min 22 s
